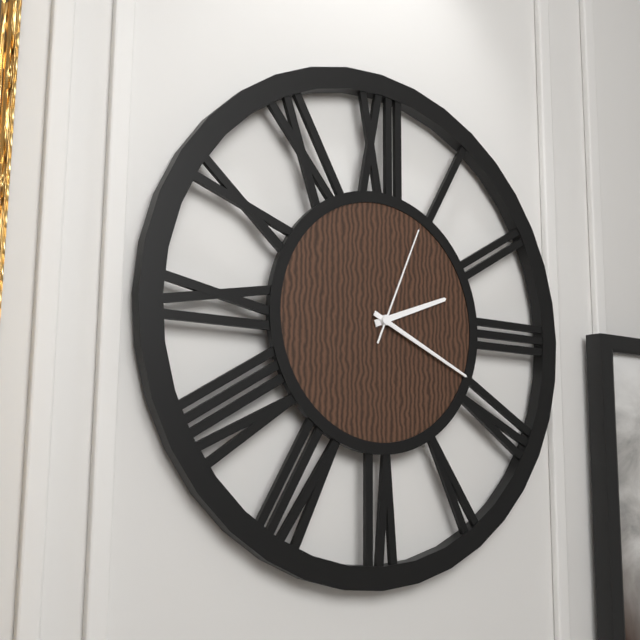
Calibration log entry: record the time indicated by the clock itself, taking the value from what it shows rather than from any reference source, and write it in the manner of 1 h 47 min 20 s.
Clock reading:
2 h 19 min 04 s
